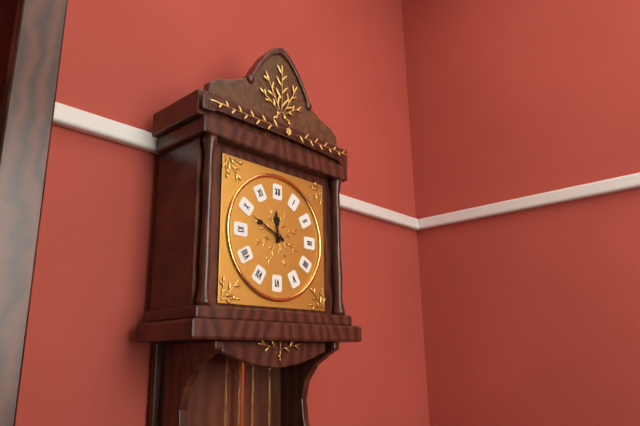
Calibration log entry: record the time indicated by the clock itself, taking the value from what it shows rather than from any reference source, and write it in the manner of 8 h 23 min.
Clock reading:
11 h 49 min
